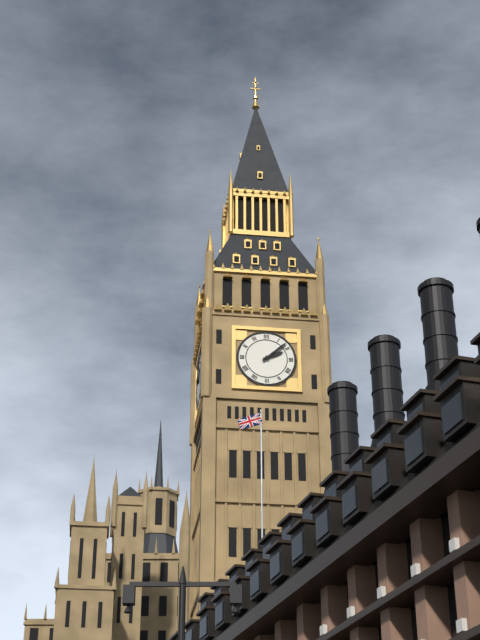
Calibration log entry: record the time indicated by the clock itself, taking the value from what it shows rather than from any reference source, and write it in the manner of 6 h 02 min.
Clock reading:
2 h 08 min
